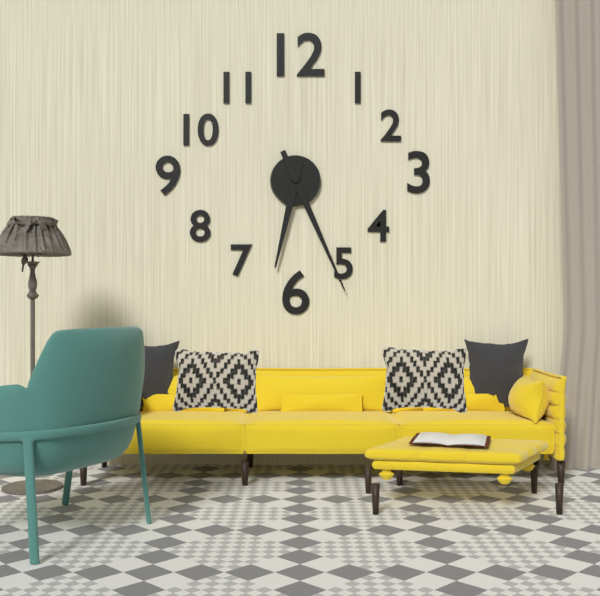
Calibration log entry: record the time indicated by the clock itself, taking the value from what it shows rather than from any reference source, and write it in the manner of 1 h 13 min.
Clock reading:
6 h 26 min
